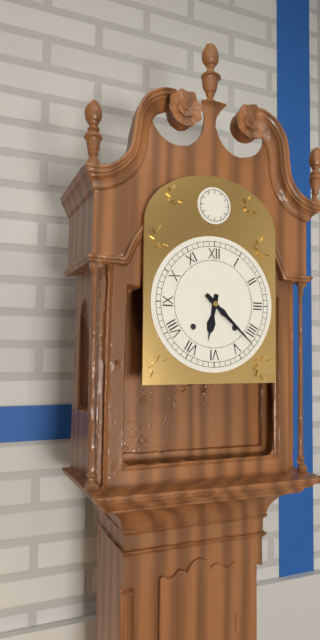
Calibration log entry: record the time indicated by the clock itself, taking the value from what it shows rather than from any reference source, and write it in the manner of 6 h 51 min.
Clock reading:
6 h 22 min
